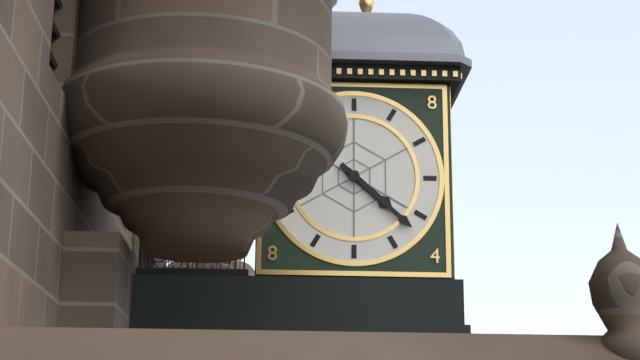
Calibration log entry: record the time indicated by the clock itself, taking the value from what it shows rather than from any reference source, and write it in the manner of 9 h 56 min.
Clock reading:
4 h 22 min
